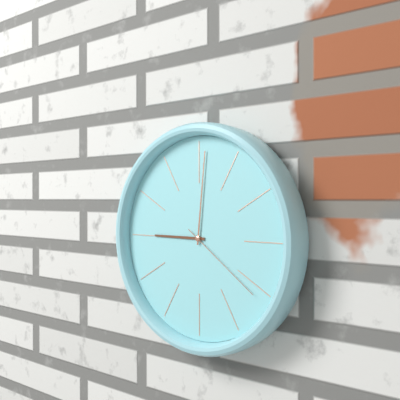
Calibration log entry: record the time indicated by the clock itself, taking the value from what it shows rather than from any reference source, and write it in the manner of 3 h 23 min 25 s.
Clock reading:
9 h 01 min 21 s
